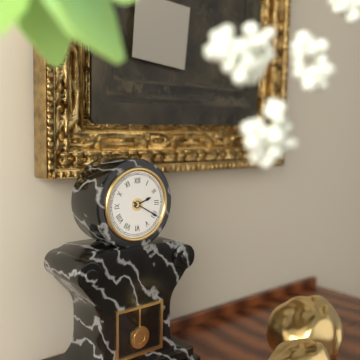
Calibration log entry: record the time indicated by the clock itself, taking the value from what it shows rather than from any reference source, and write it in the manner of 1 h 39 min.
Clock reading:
2 h 20 min
